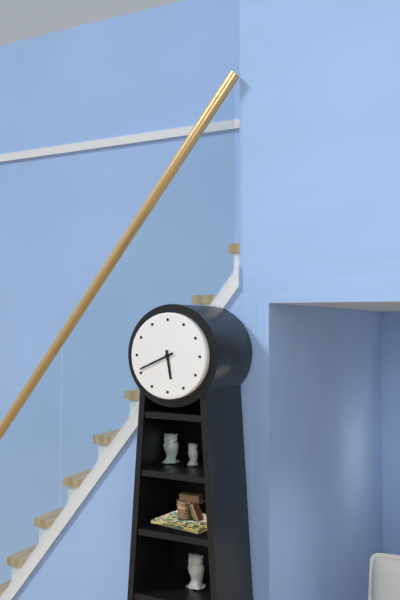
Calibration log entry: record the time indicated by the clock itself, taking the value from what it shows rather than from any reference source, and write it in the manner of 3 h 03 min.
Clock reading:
5 h 41 min
